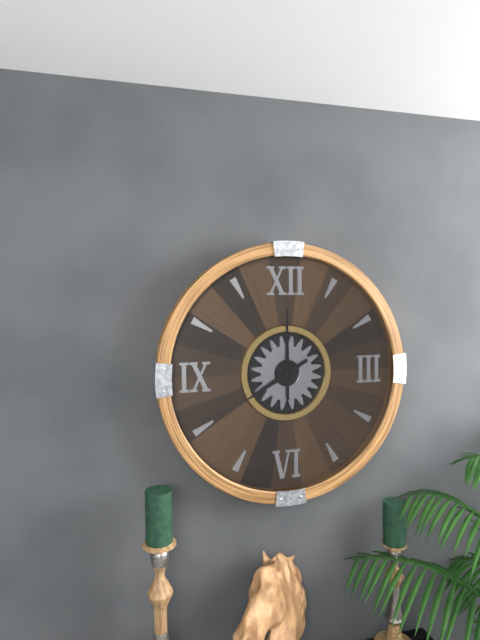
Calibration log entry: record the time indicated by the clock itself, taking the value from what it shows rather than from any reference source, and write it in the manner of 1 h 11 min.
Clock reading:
8 h 00 min
